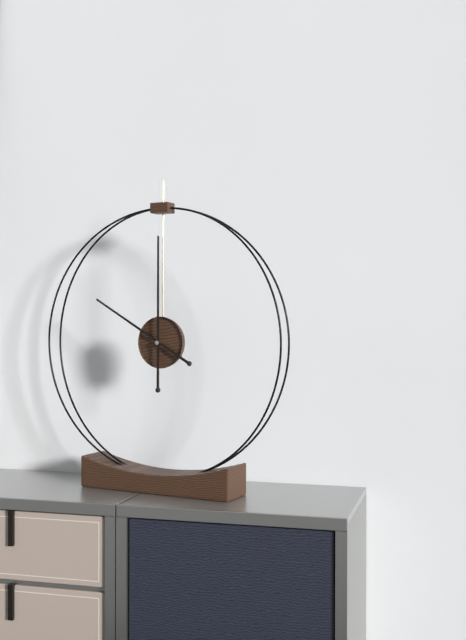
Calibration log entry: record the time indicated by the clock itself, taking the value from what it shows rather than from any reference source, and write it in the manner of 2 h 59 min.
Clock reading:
10 h 00 min
